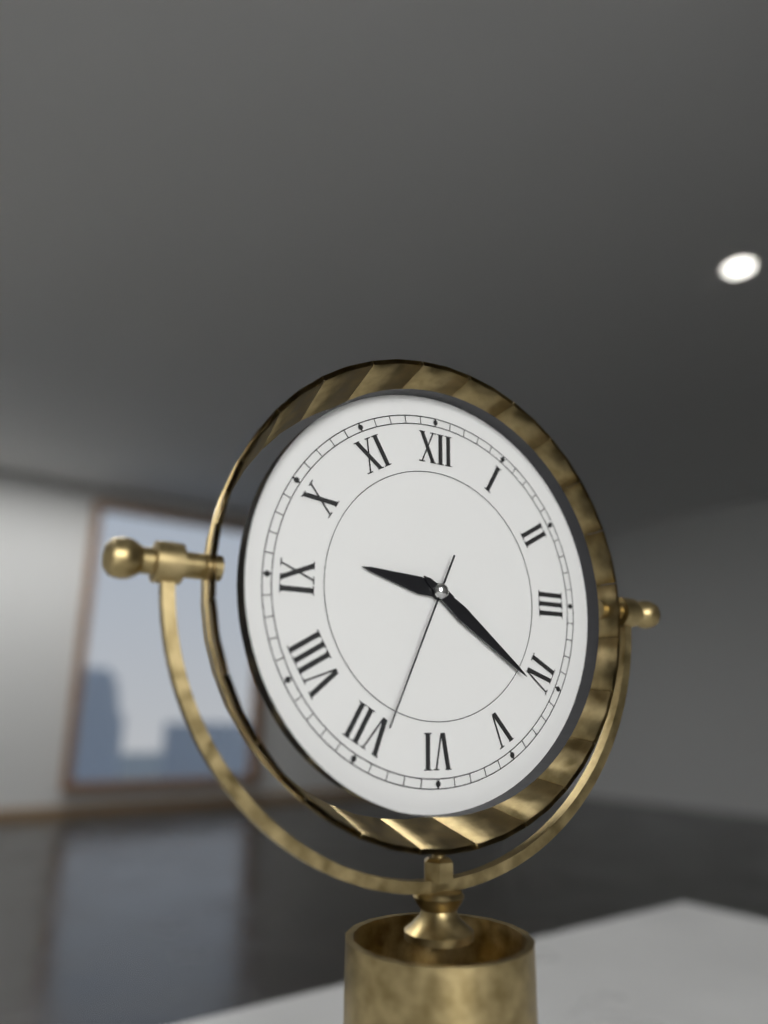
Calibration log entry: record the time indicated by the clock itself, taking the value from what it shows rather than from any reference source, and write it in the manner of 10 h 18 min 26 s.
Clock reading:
9 h 21 min 34 s
